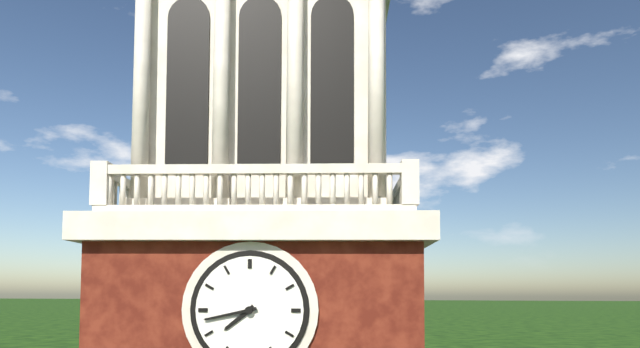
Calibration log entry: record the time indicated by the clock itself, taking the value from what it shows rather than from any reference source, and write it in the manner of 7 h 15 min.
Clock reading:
7 h 43 min
